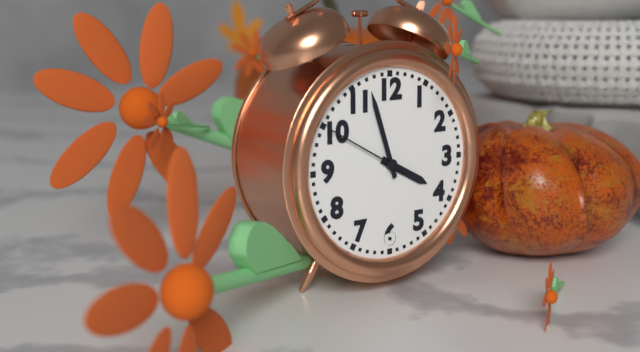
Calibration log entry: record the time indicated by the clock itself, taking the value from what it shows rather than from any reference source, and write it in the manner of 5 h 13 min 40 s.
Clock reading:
3 h 57 min 50 s
